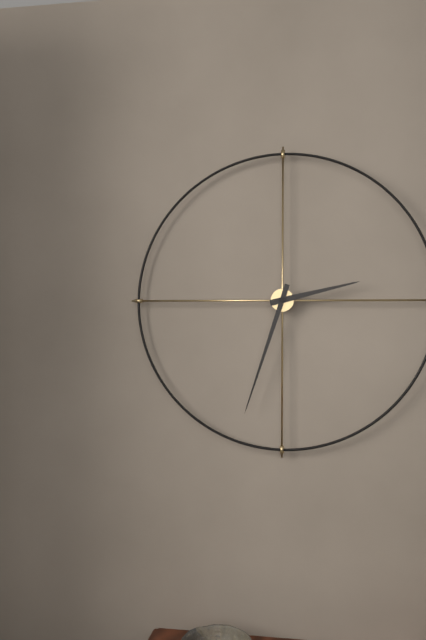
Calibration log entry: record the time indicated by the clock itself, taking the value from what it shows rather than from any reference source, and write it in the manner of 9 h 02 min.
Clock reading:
2 h 33 min
